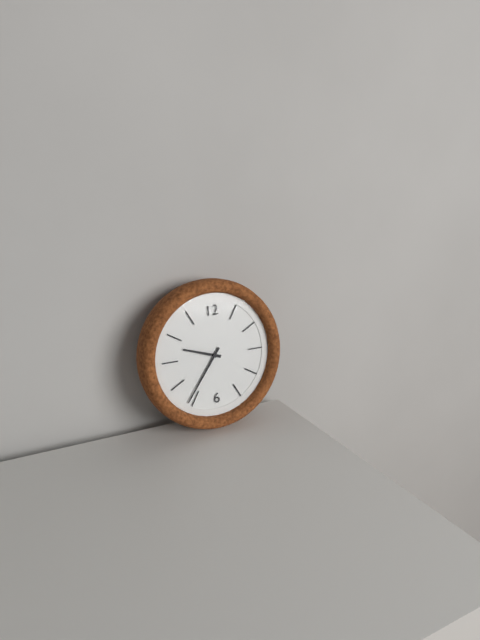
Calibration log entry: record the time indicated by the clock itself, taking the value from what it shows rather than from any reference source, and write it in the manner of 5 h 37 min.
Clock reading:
9 h 36 min
